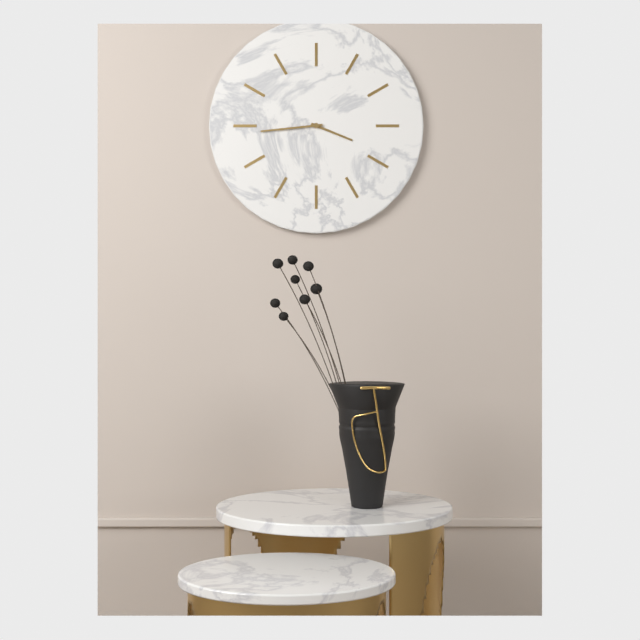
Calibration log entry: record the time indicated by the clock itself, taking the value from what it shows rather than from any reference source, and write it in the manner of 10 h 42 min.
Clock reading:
3 h 44 min
